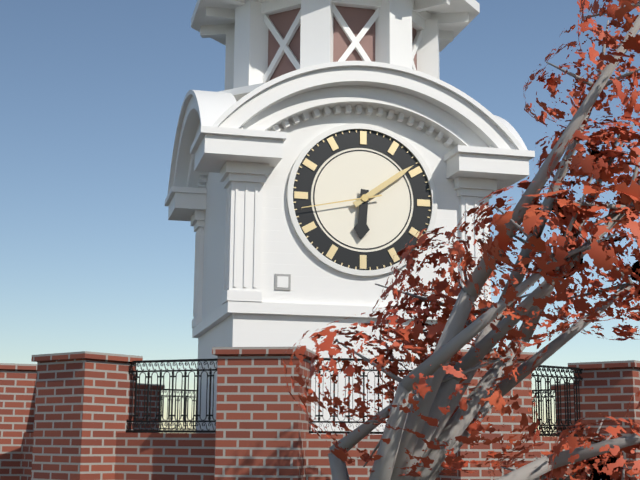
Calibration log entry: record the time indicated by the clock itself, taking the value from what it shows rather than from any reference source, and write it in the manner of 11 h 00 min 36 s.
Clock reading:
6 h 09 min 43 s
